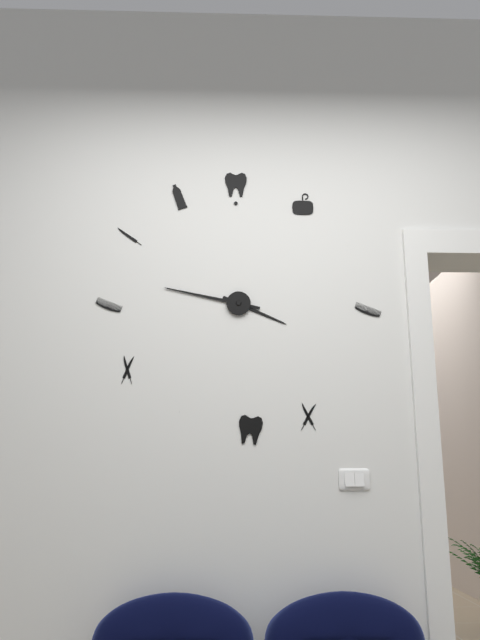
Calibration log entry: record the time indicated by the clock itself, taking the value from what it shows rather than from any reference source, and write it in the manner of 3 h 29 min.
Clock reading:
3 h 47 min
